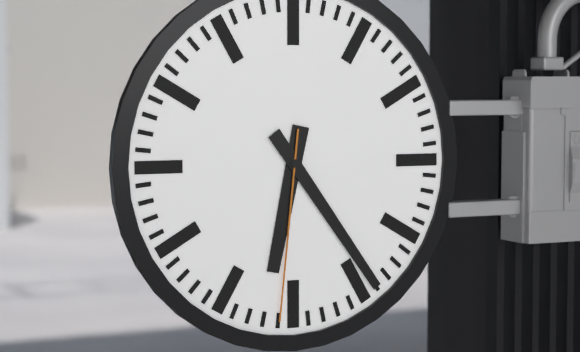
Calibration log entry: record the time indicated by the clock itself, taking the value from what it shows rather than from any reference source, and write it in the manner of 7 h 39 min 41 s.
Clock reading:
6 h 24 min 31 s
